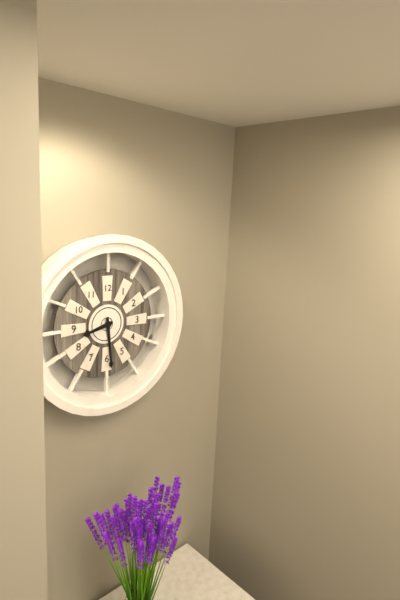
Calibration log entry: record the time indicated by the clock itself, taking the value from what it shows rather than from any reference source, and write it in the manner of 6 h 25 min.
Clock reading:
8 h 29 min
